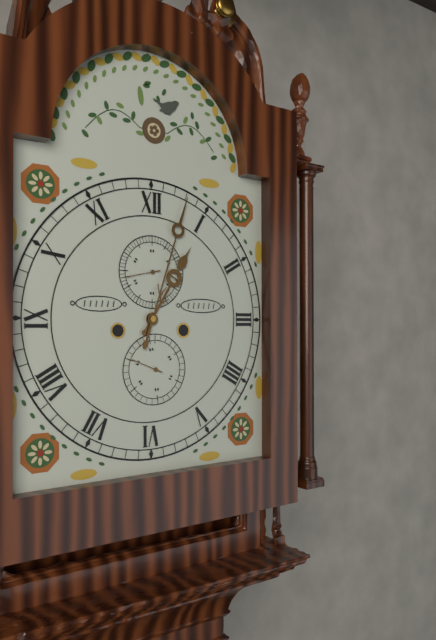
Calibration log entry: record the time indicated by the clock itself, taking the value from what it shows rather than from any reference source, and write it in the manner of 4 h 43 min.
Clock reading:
1 h 03 min
